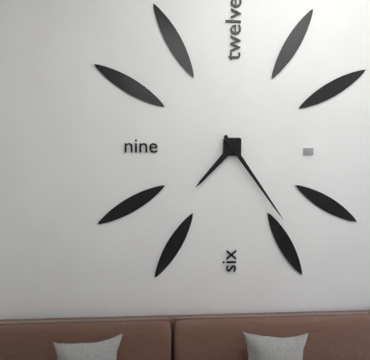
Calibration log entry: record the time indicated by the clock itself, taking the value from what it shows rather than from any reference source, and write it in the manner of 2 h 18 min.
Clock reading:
7 h 24 min
